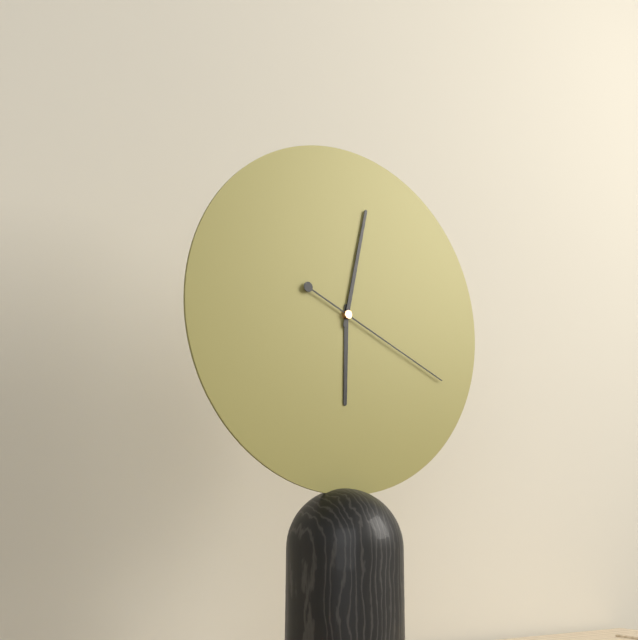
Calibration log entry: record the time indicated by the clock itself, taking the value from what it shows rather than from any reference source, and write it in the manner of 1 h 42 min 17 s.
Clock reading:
6 h 02 min 19 s
